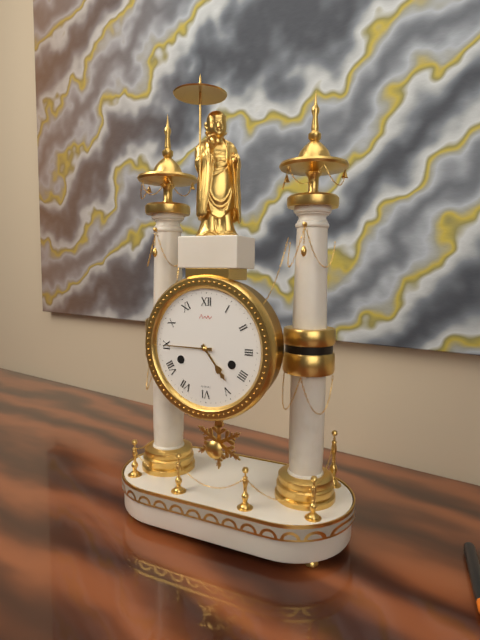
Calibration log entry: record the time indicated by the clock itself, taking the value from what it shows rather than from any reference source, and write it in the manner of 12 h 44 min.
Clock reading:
4 h 45 min
